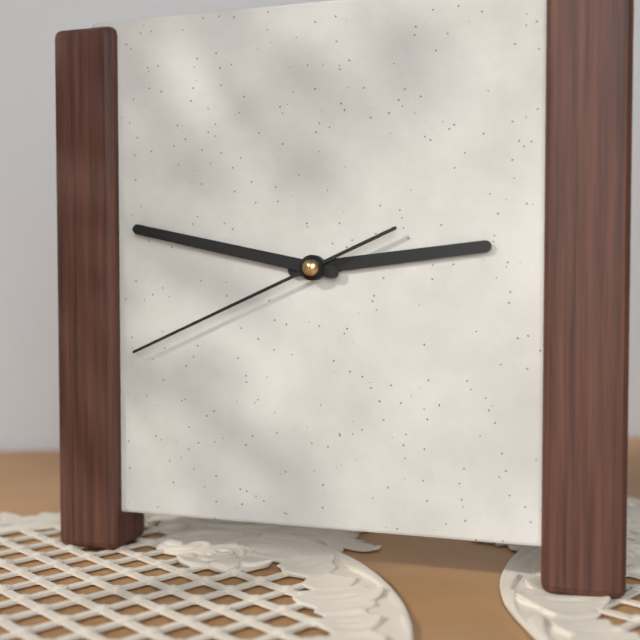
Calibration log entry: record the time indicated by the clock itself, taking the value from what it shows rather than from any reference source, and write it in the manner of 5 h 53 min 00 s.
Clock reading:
2 h 47 min 41 s
